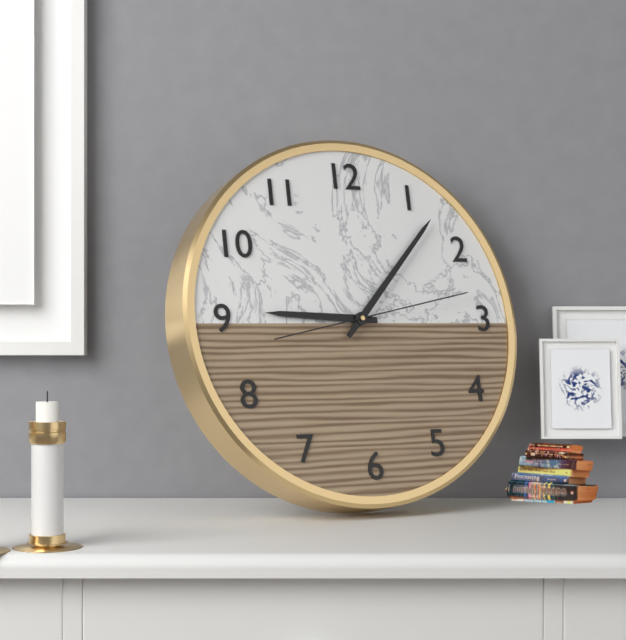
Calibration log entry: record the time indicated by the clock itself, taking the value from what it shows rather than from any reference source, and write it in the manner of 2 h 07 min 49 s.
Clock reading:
9 h 07 min 13 s
